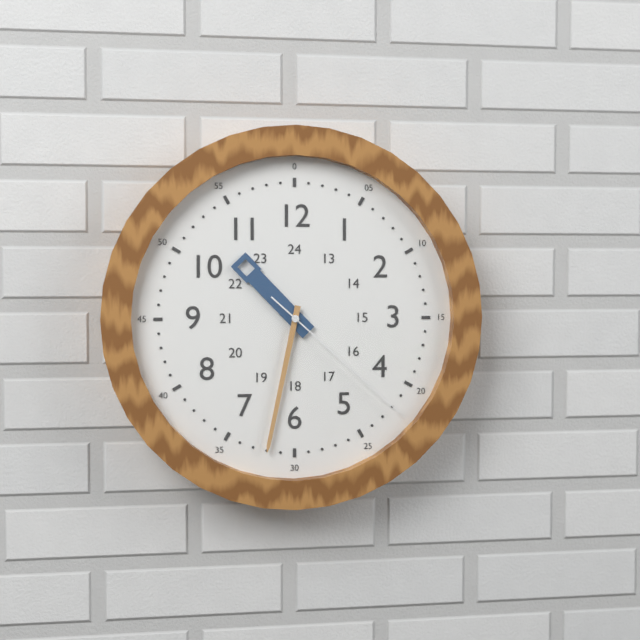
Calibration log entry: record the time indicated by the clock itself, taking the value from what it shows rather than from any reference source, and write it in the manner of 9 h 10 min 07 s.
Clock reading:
10 h 32 min 22 s
